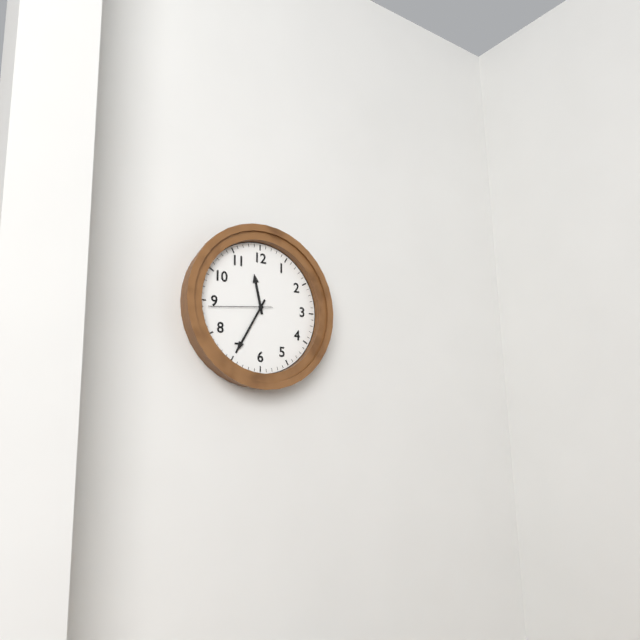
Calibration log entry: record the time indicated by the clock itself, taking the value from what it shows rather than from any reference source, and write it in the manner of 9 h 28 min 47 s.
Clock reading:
11 h 35 min 44 s
